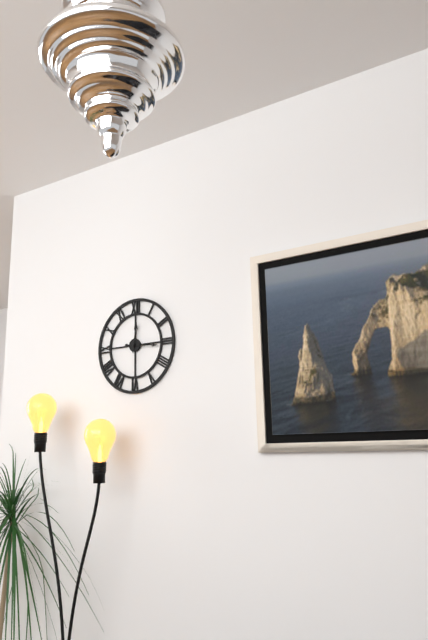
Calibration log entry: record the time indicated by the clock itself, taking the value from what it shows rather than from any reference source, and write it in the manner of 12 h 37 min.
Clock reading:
12 h 16 min
